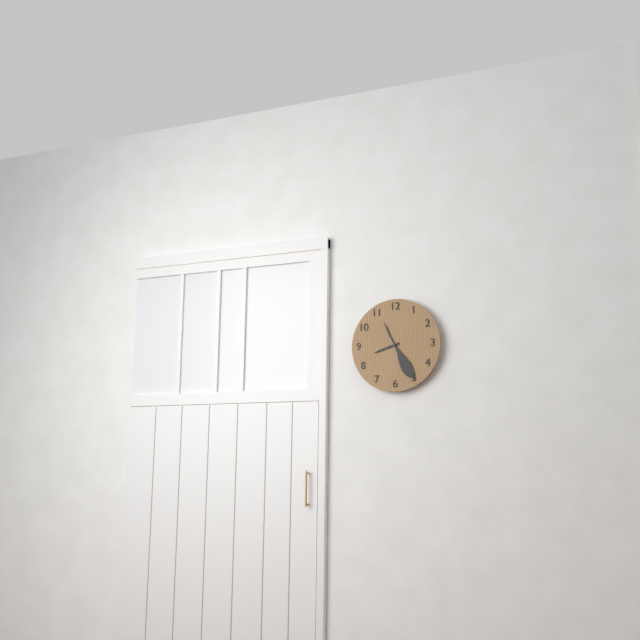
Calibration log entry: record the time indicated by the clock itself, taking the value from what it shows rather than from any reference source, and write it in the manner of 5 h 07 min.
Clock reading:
8 h 25 min
